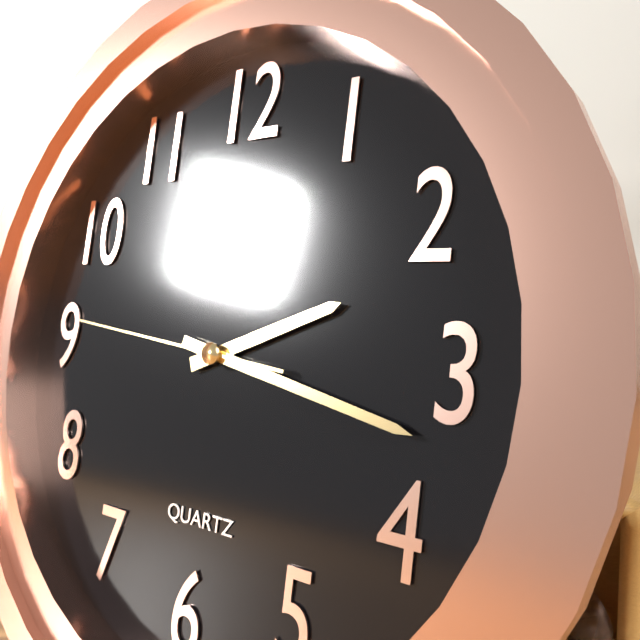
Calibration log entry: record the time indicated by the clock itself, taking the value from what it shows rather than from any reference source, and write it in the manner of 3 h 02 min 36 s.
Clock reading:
2 h 17 min 46 s
